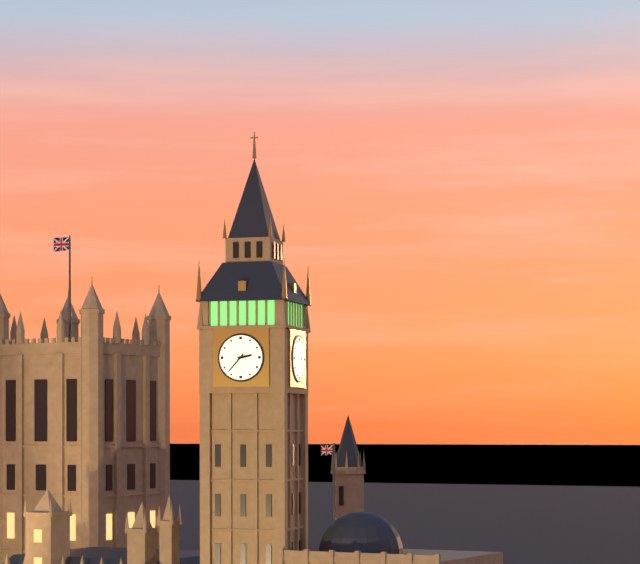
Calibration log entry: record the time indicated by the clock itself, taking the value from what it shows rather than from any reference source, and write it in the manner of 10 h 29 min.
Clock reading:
2 h 37 min
